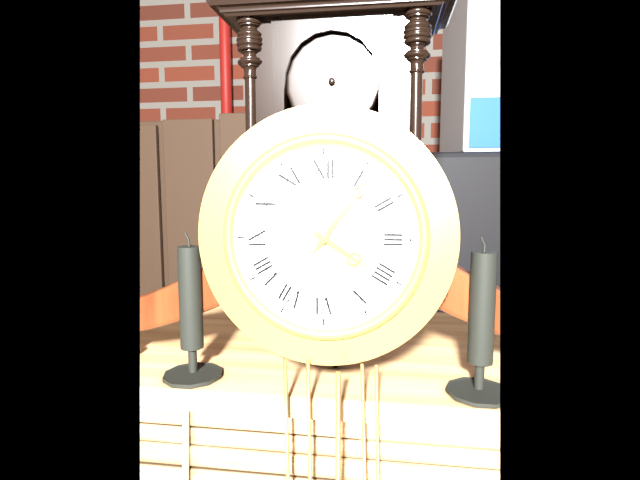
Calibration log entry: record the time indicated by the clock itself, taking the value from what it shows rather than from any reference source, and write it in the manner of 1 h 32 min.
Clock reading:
4 h 06 min
